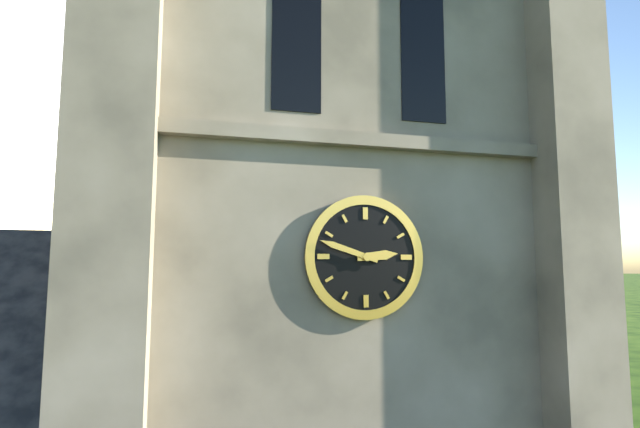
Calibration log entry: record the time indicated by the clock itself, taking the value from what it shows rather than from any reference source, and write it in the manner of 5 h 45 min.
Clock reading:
2 h 48 min
